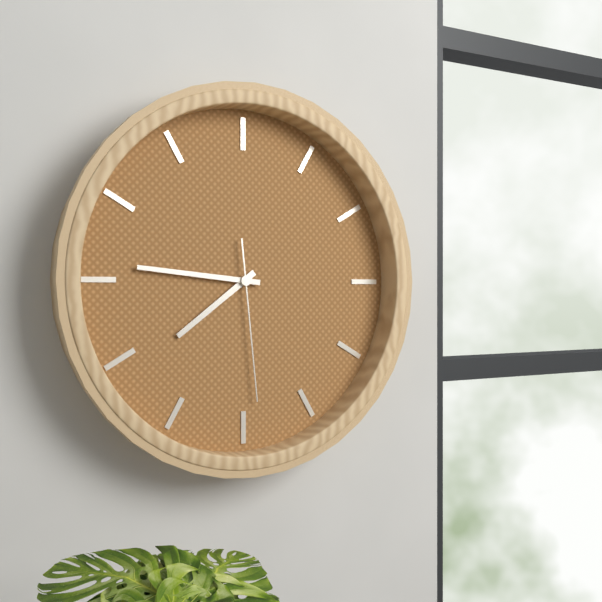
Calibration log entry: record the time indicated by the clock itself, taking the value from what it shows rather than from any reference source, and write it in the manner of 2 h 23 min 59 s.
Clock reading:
7 h 46 min 29 s
